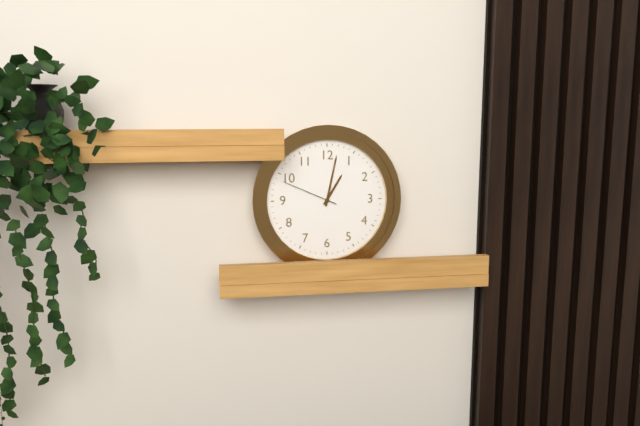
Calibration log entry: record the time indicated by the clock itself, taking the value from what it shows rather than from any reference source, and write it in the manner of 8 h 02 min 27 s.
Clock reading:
1 h 02 min 49 s
